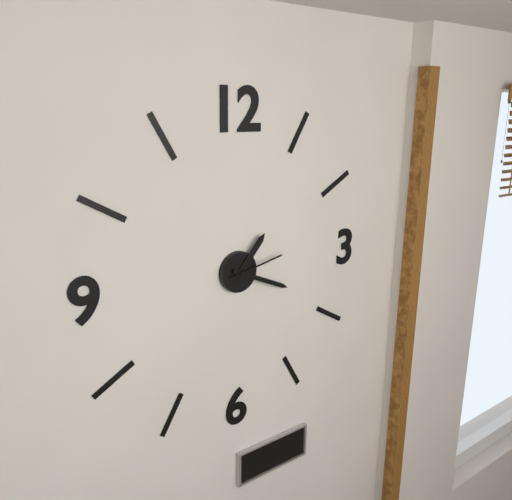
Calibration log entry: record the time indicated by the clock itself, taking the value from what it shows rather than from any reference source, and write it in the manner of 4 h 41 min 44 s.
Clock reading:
1 h 19 min 13 s
